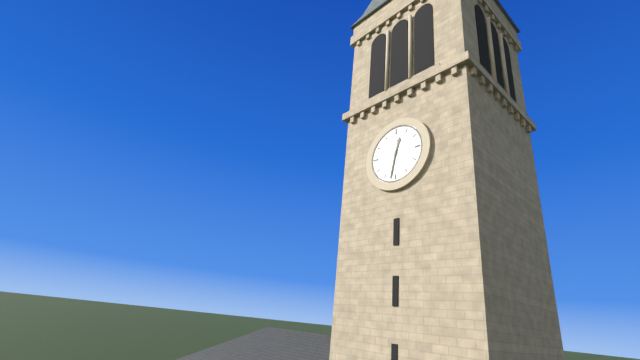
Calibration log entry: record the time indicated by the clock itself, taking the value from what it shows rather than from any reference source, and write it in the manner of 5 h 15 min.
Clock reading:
12 h 32 min
